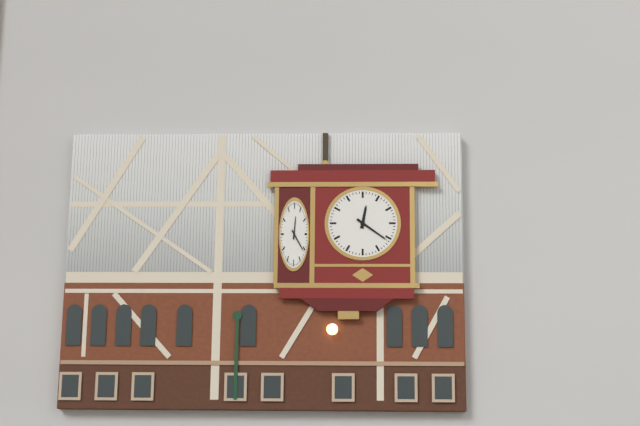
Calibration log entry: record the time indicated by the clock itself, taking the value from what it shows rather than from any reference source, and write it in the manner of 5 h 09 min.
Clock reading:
12 h 21 min
